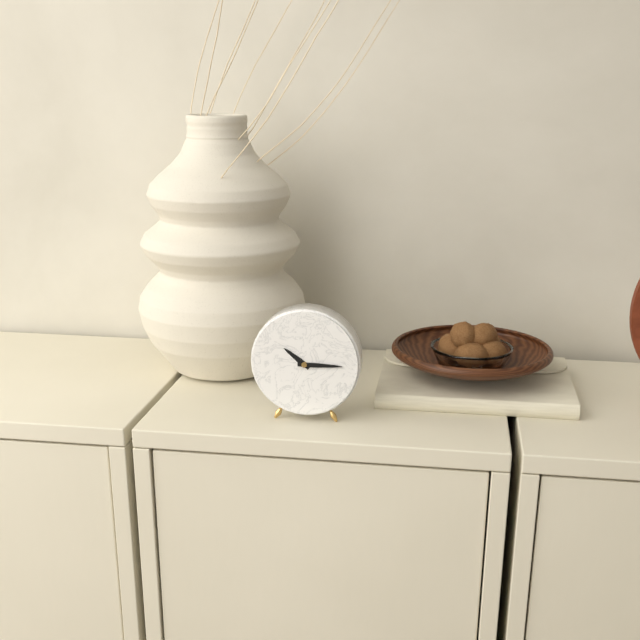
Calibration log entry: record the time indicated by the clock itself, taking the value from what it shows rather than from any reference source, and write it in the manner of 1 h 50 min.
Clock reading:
10 h 15 min
